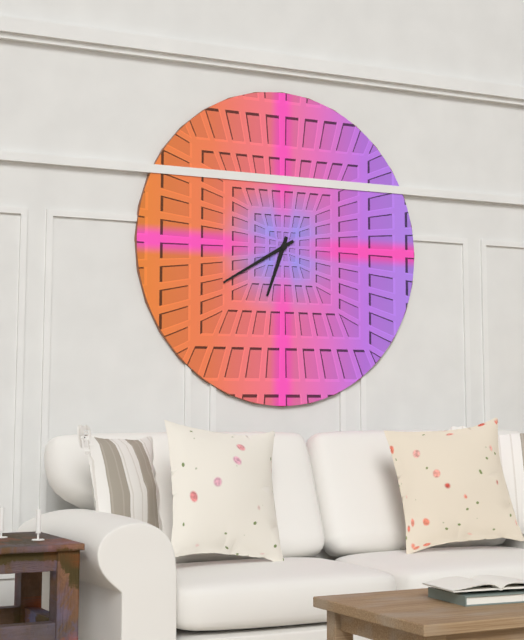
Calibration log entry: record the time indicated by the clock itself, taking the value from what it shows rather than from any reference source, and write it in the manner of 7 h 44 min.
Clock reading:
6 h 40 min
